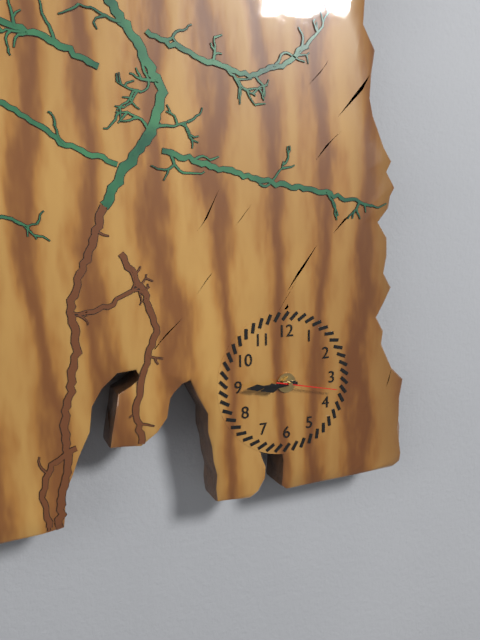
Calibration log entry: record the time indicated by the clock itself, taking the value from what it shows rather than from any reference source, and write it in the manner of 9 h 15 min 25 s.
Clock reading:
8 h 45 min 17 s
